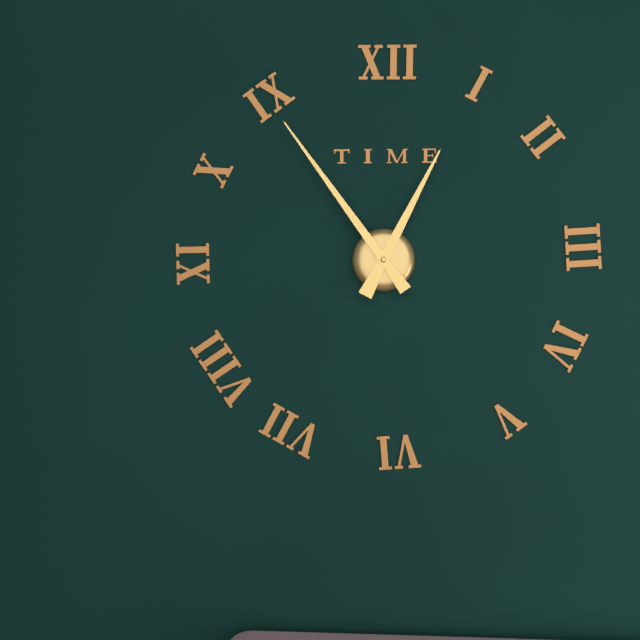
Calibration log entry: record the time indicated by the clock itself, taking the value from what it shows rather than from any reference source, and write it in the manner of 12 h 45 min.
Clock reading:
12 h 54 min
